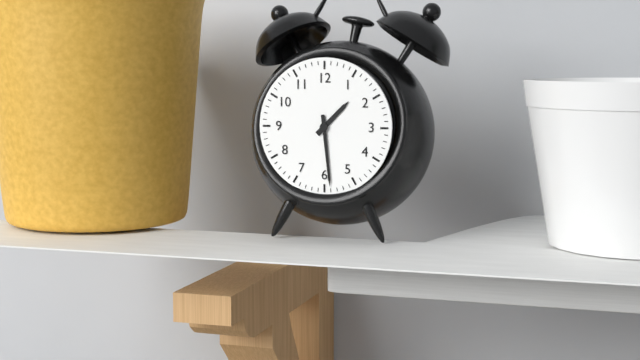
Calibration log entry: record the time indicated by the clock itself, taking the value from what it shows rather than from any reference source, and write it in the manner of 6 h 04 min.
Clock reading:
1 h 29 min
